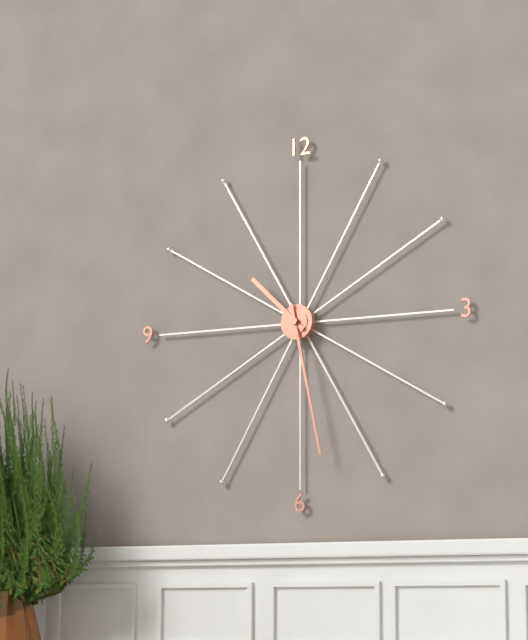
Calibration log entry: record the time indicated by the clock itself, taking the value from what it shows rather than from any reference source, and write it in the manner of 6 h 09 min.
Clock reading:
10 h 28 min
